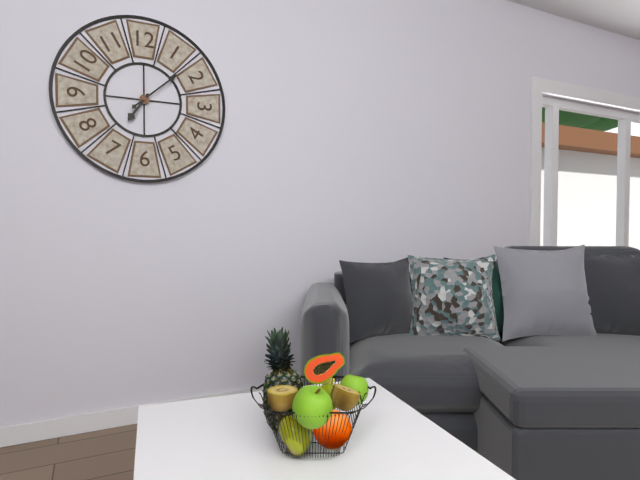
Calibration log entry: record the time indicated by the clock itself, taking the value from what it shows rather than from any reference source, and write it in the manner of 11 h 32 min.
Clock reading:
7 h 08 min
